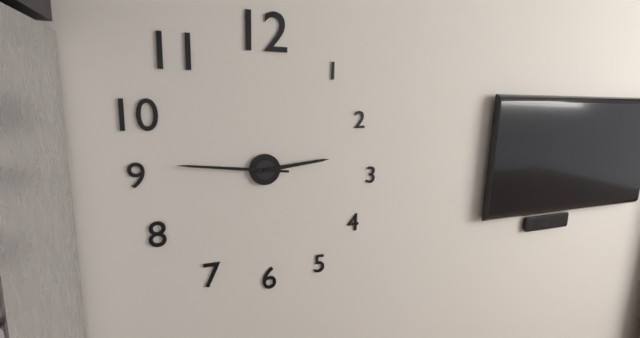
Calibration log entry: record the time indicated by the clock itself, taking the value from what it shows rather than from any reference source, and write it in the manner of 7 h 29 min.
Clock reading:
2 h 46 min
